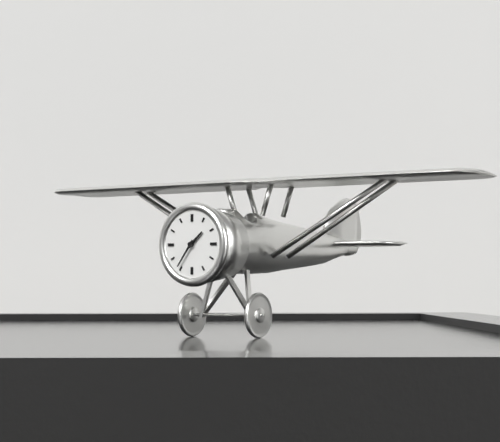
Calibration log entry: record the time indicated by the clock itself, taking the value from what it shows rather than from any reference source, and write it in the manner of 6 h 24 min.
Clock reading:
1 h 36 min
